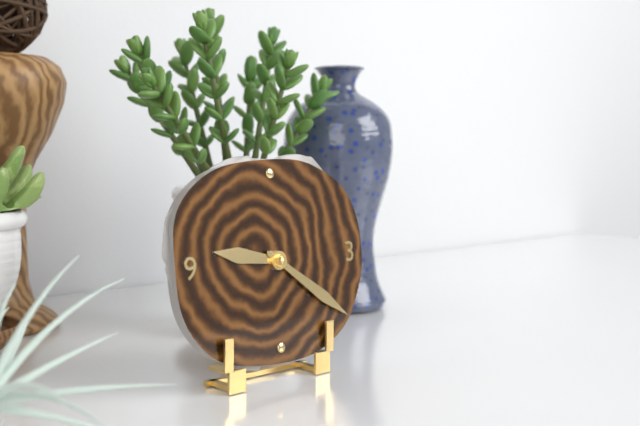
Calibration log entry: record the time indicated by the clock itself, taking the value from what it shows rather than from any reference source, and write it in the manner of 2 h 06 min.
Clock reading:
9 h 21 min
